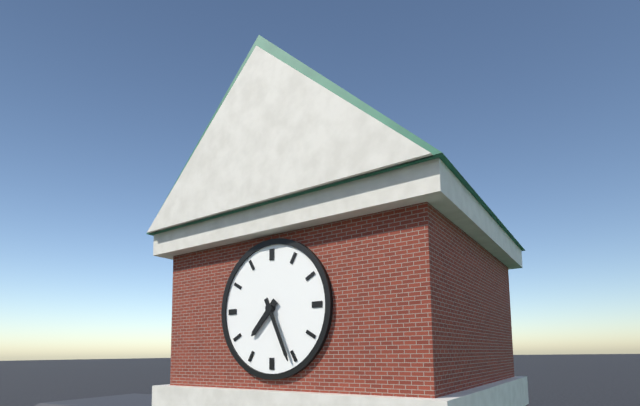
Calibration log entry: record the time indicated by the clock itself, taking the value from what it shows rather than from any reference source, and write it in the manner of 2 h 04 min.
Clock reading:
7 h 26 min
